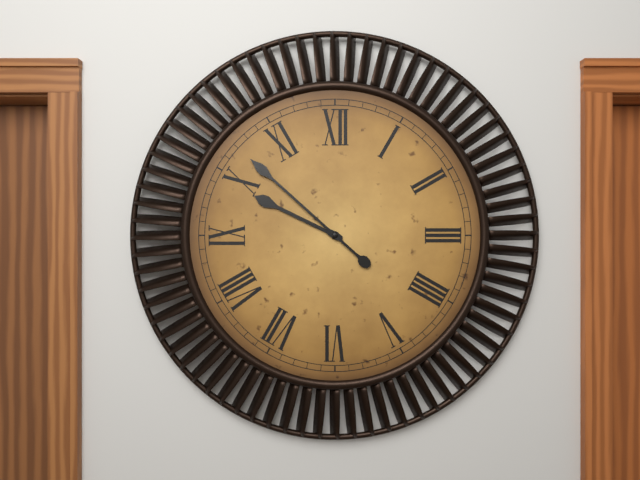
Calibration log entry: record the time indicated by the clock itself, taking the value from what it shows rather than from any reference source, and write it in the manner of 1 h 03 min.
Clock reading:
9 h 52 min
